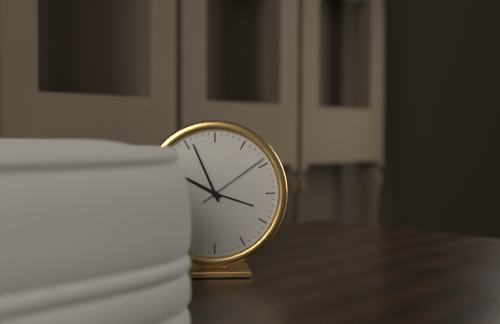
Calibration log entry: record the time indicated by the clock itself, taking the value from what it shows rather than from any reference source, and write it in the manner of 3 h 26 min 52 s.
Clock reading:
9 h 56 min 09 s
